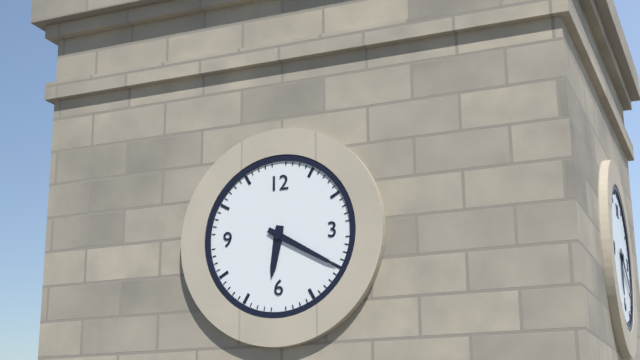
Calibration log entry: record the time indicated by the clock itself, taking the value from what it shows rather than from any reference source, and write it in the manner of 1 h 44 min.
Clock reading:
6 h 20 min
